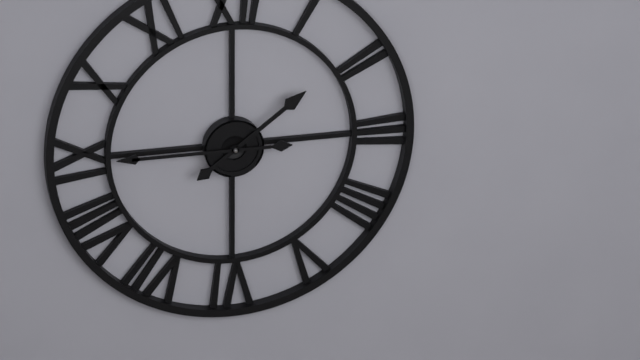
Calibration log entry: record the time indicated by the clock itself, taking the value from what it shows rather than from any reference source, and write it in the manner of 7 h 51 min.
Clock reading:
1 h 45 min
